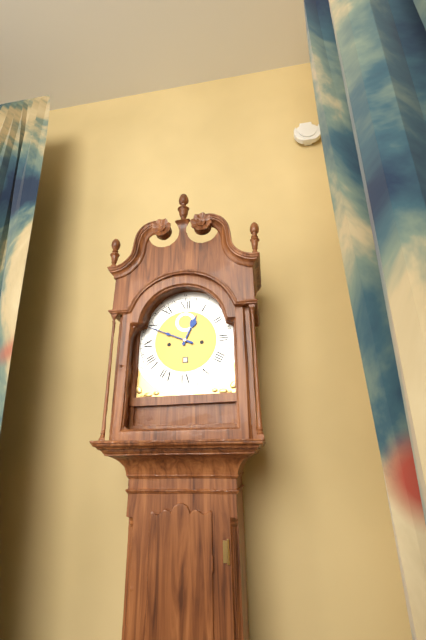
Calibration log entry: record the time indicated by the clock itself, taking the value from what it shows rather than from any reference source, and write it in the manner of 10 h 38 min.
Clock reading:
12 h 49 min
